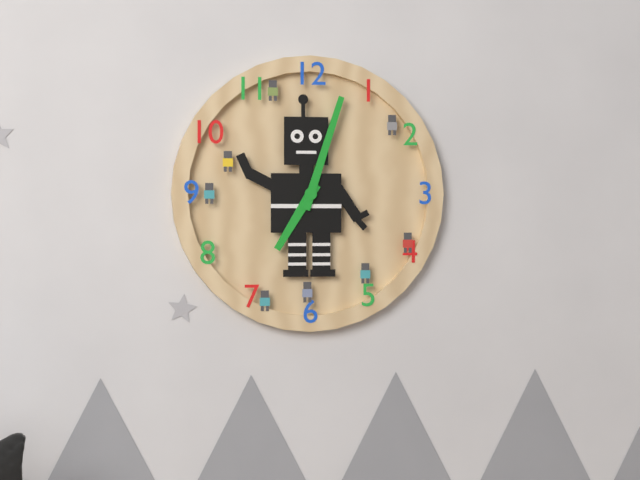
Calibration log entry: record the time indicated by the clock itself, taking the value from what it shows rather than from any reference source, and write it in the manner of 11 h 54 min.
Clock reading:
7 h 03 min
